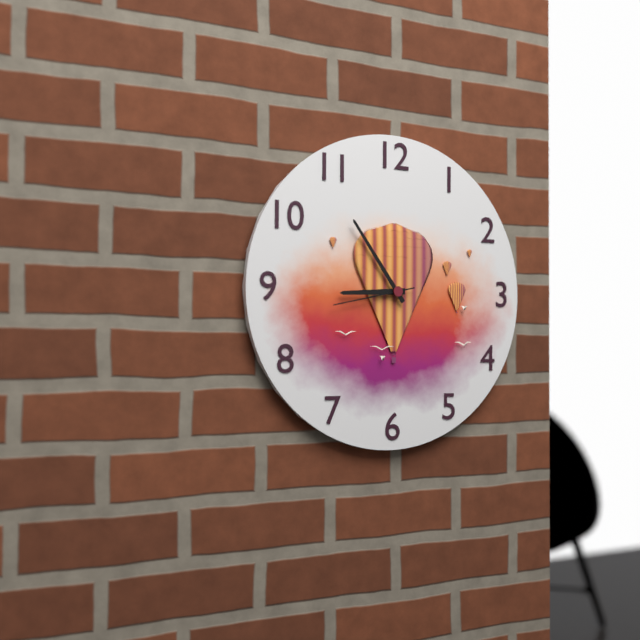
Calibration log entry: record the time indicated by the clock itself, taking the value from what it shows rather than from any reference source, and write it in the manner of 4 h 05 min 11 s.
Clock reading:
8 h 54 min 43 s
